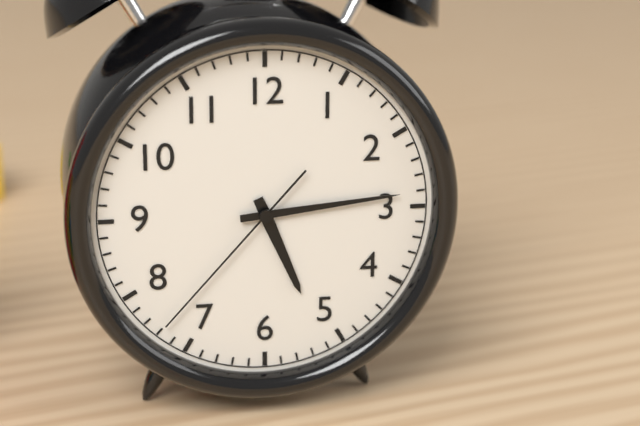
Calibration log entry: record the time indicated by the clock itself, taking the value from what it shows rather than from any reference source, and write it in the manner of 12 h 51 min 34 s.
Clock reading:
5 h 14 min 37 s
